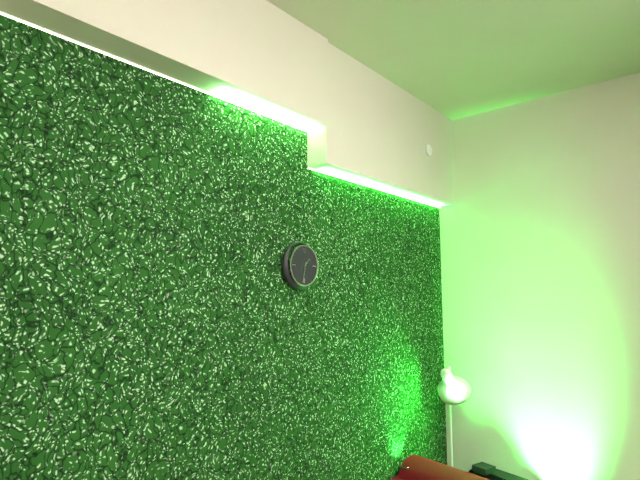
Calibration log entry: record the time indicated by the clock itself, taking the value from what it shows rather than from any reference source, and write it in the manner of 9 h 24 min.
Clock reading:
1 h 32 min
